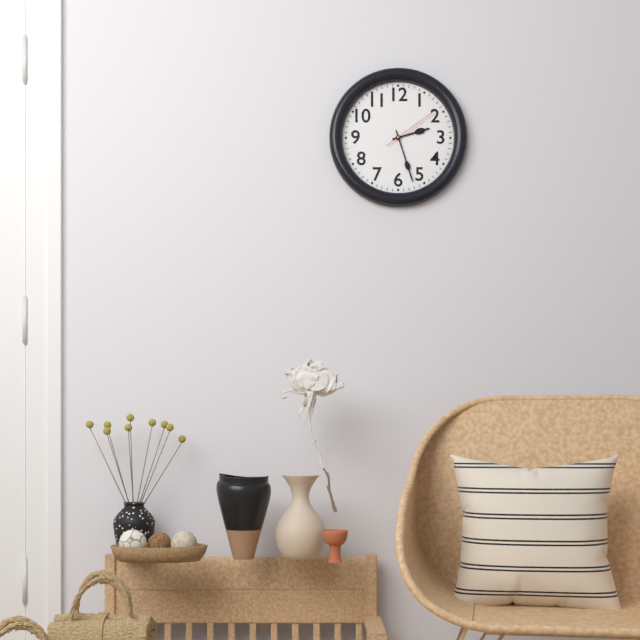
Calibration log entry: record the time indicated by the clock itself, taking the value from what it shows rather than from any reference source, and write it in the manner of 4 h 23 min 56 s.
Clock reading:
2 h 27 min 09 s
